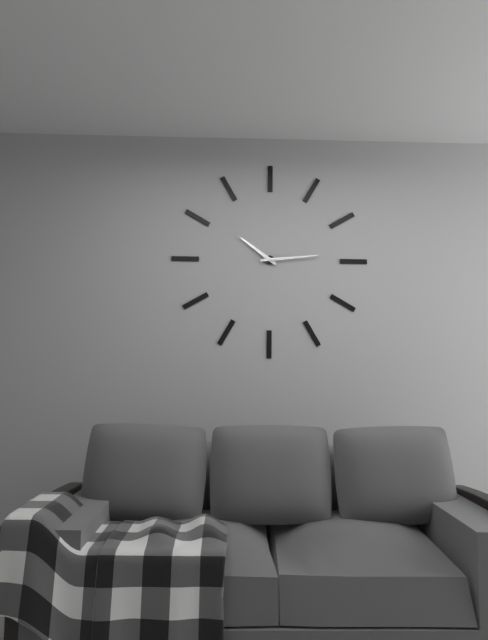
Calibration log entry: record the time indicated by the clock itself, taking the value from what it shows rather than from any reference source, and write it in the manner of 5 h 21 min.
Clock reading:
10 h 14 min
